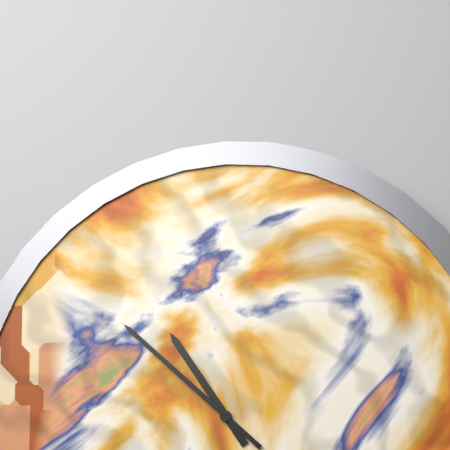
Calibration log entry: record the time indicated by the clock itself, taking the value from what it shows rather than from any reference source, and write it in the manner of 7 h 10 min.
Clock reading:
10 h 52 min
